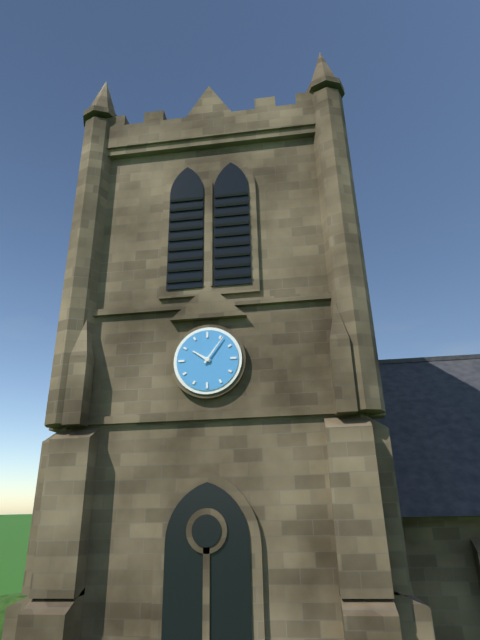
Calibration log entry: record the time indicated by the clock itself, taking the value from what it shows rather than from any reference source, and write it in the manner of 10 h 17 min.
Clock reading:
10 h 06 min
